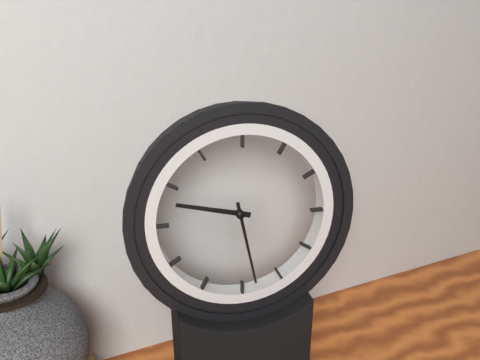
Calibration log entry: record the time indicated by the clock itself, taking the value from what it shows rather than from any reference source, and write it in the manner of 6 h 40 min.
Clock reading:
9 h 28 min
